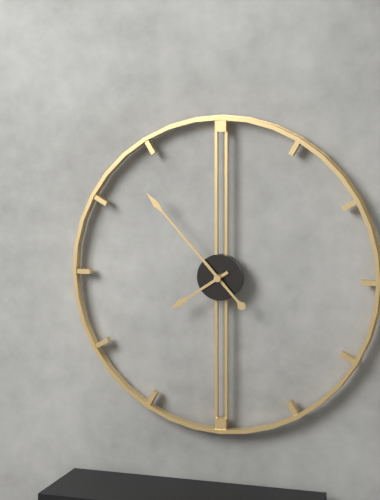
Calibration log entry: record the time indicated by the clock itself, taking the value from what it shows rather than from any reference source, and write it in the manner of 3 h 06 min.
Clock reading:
7 h 53 min
